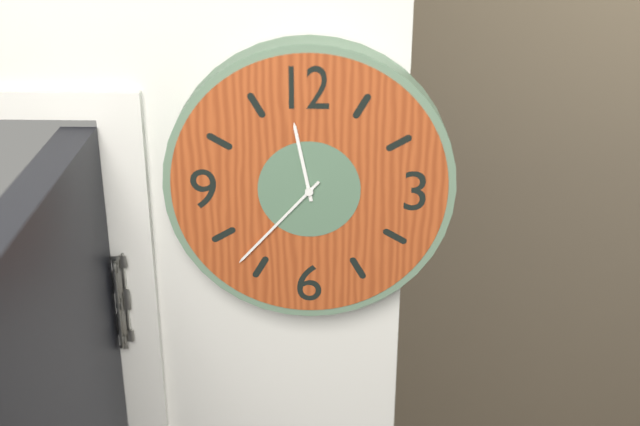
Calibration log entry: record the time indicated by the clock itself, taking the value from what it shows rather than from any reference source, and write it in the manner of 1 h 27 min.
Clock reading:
11 h 37 min
